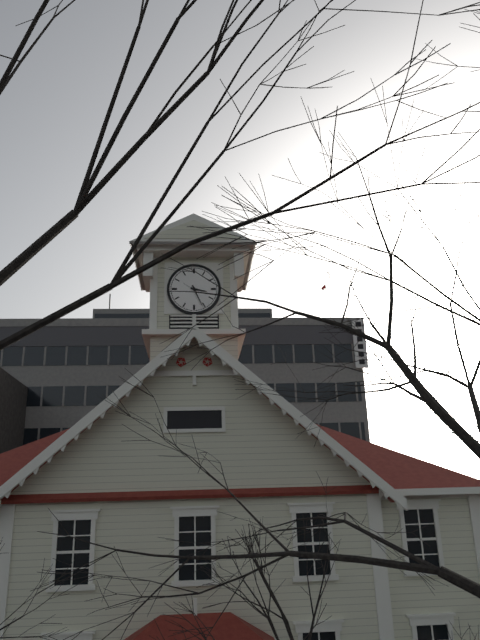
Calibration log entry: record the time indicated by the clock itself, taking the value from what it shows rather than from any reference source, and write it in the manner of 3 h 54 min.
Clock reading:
3 h 26 min
